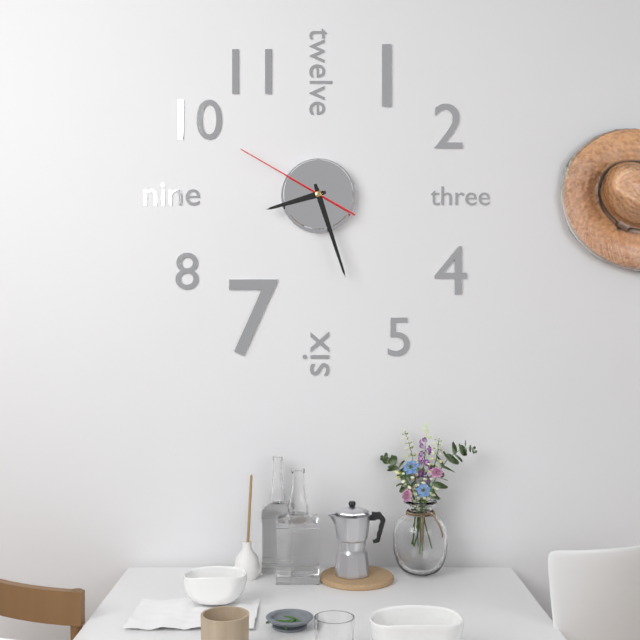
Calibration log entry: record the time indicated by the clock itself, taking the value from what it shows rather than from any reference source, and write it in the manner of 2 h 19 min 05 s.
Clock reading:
8 h 27 min 50 s
